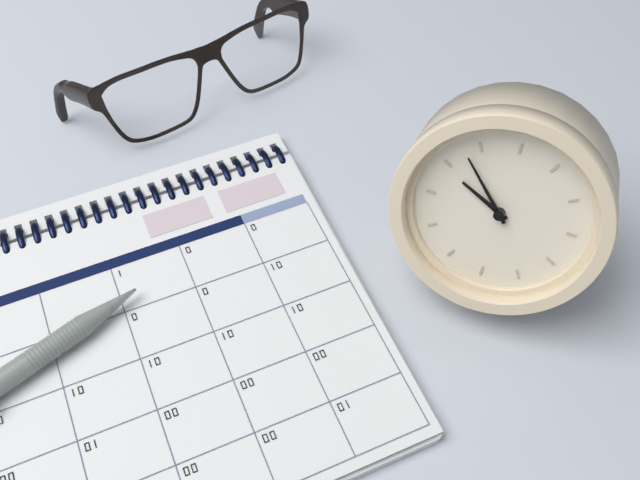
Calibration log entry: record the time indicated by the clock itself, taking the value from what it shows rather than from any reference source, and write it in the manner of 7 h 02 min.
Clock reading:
9 h 53 min
